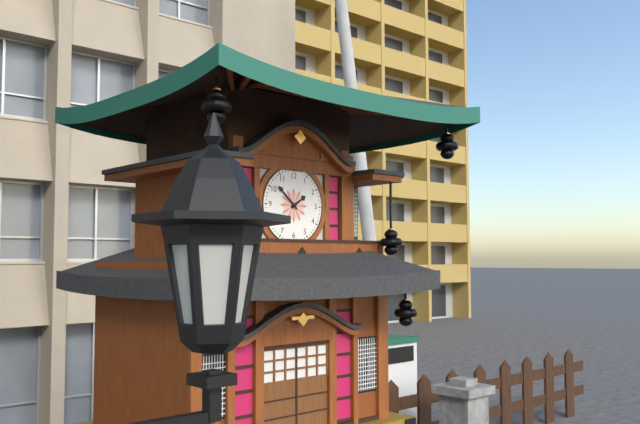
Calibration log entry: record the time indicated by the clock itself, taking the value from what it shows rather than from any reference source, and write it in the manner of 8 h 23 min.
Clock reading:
1 h 52 min
